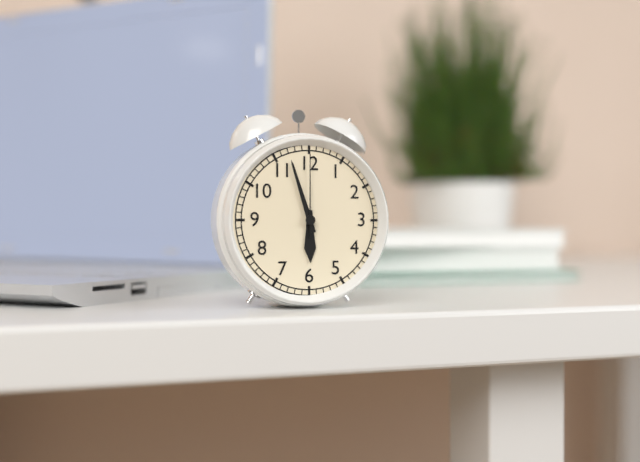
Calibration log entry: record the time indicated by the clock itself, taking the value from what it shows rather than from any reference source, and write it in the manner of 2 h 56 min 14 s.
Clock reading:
5 h 57 min 00 s
